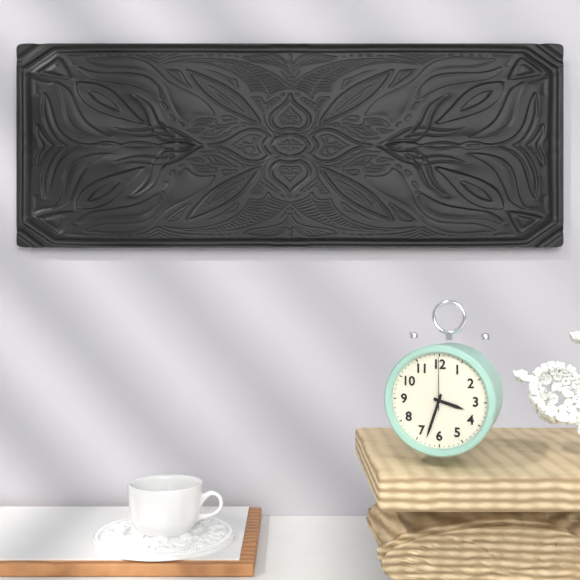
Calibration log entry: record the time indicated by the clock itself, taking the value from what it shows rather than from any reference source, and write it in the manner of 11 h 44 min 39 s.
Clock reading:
3 h 33 min 00 s
